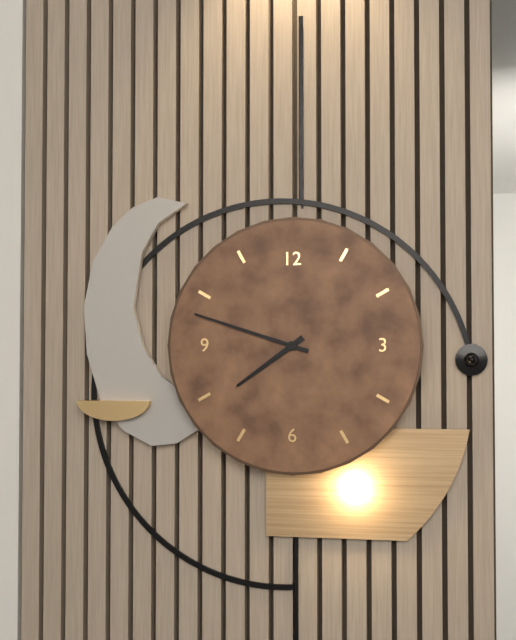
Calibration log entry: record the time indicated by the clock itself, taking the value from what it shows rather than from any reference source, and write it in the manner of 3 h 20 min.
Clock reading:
7 h 48 min
